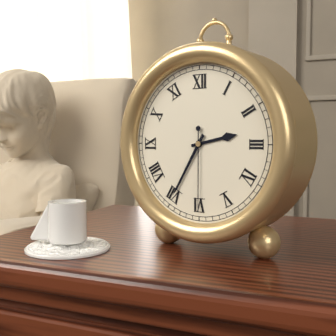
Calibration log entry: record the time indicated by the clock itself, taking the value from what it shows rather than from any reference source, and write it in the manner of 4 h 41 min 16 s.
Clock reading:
2 h 35 min 30 s
